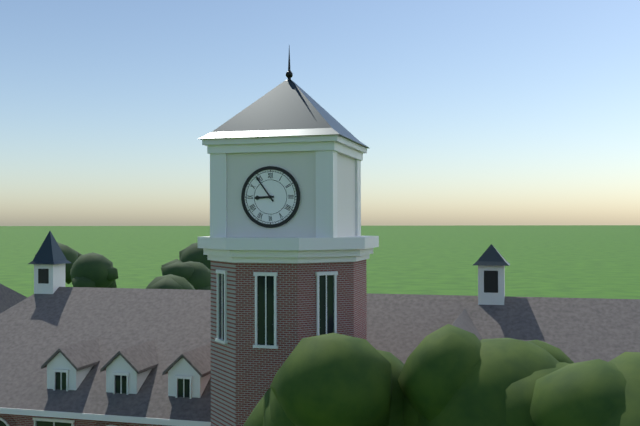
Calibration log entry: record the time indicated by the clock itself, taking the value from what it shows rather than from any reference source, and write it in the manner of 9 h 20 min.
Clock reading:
8 h 54 min
